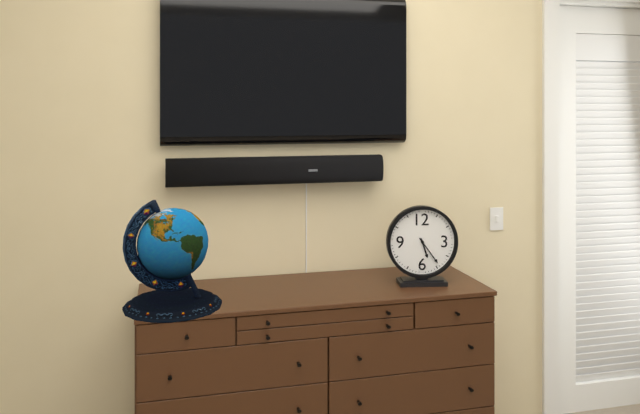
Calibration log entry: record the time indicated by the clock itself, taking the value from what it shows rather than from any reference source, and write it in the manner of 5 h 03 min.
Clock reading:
5 h 24 min
